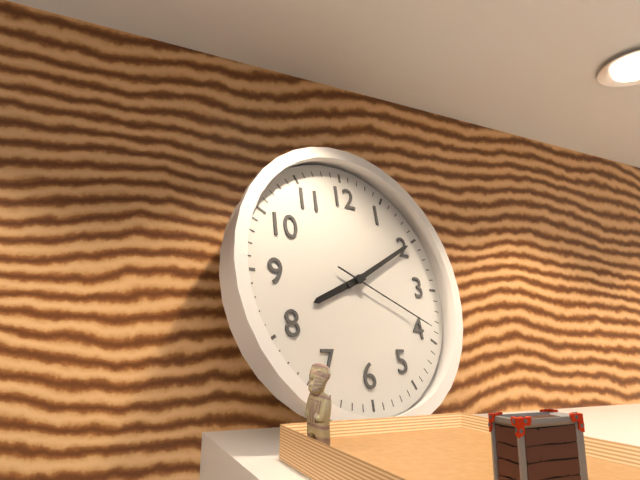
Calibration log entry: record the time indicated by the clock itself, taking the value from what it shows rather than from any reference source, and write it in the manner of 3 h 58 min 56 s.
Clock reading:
8 h 10 min 19 s
